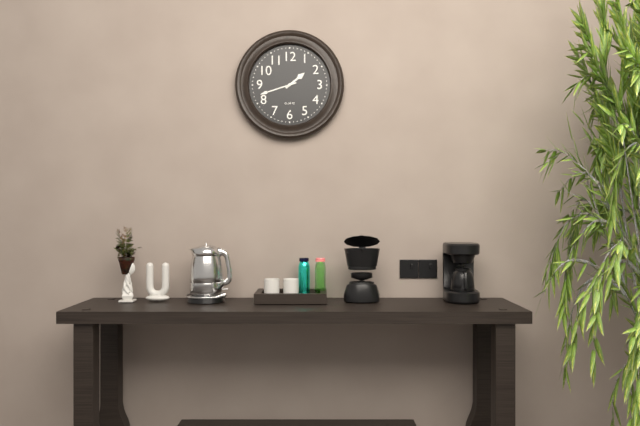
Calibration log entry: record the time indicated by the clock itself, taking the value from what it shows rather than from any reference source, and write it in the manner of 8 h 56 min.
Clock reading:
1 h 42 min
